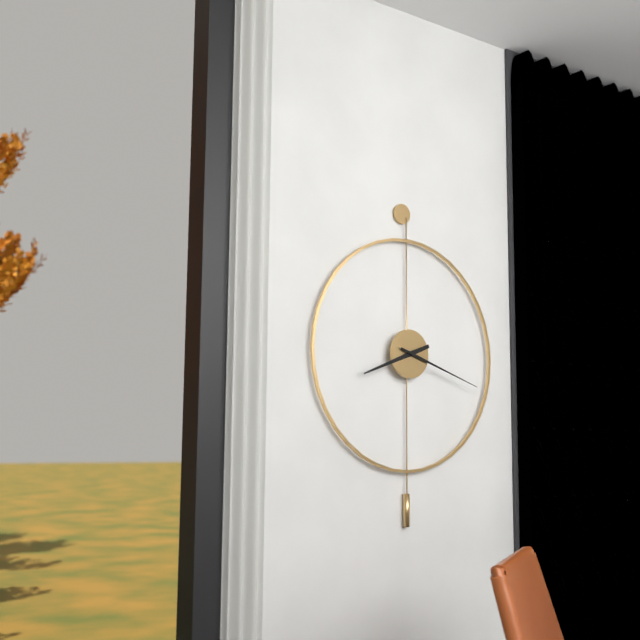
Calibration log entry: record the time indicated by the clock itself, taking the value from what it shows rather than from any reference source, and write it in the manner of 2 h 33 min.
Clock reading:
8 h 18 min
